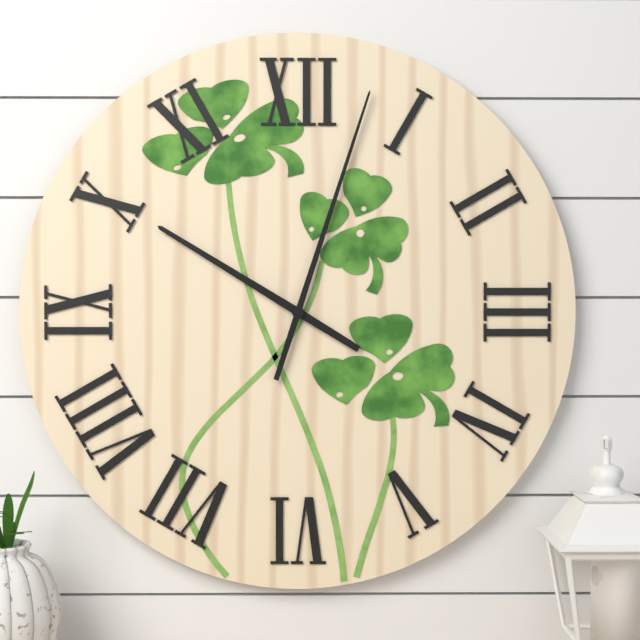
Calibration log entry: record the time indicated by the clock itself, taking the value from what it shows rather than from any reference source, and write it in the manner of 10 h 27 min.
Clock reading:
10 h 03 min
